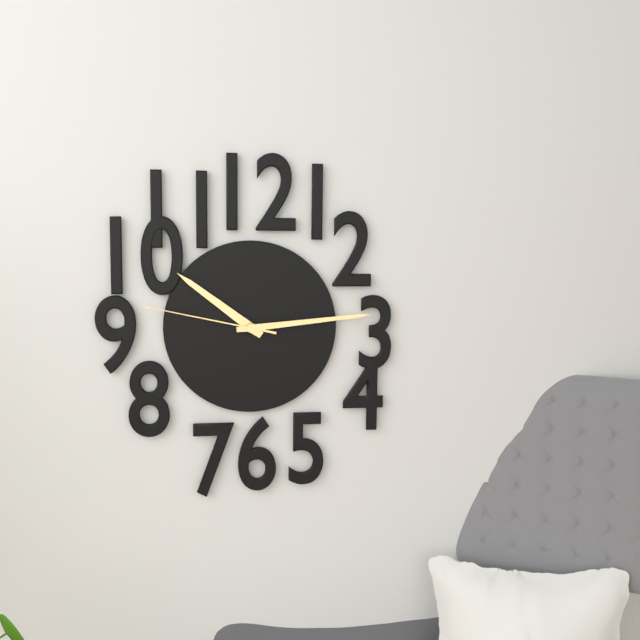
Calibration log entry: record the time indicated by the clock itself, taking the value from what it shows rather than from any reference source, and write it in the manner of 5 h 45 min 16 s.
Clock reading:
10 h 14 min 47 s
